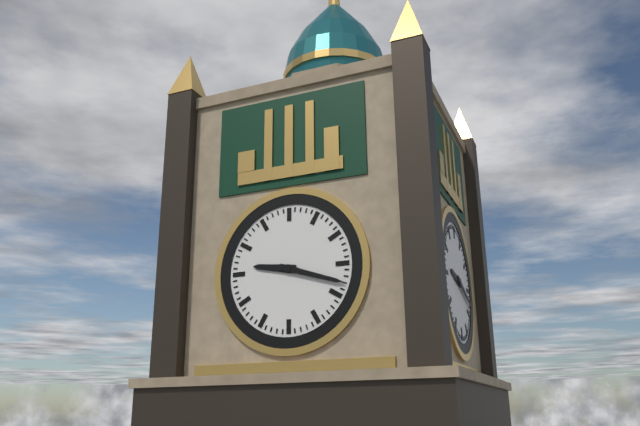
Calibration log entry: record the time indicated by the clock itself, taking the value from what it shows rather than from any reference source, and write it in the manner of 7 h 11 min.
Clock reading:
9 h 18 min
